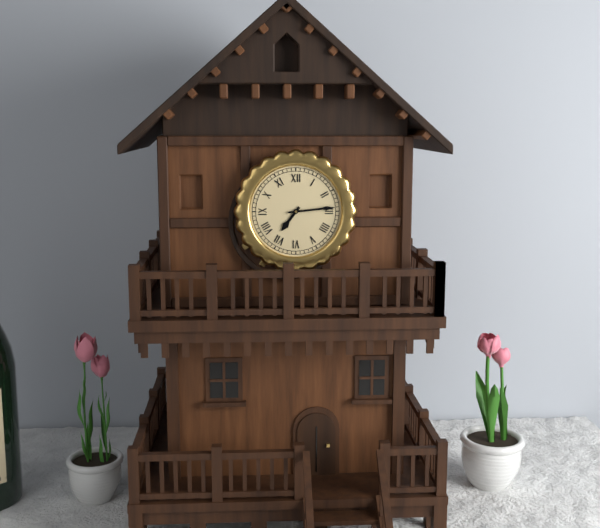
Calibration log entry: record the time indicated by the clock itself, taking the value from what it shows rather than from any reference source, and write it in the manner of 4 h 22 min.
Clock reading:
7 h 14 min
